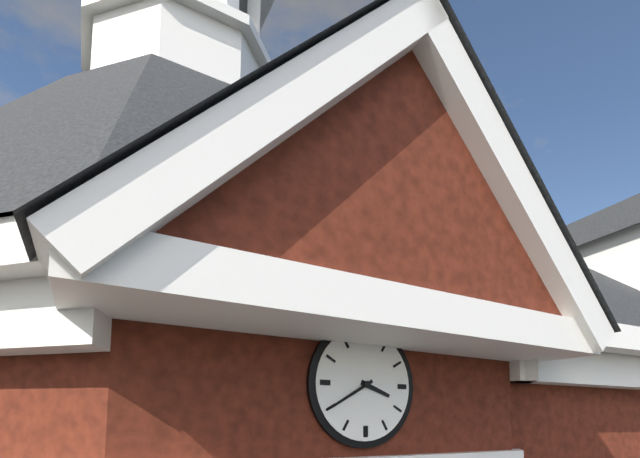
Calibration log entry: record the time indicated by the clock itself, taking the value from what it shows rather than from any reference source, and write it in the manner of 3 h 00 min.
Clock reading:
3 h 40 min
